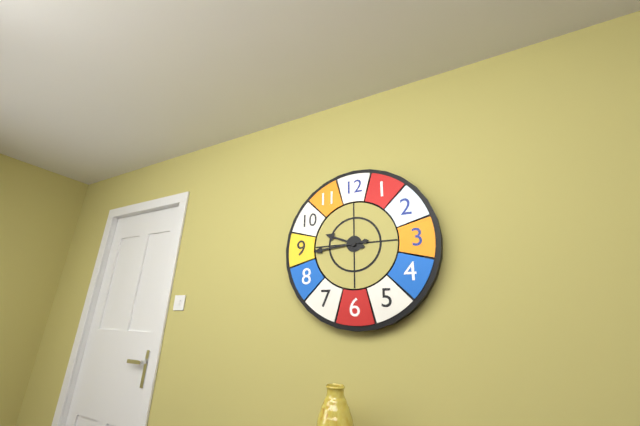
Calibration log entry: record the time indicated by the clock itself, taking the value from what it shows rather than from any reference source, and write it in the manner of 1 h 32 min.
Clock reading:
9 h 44 min
